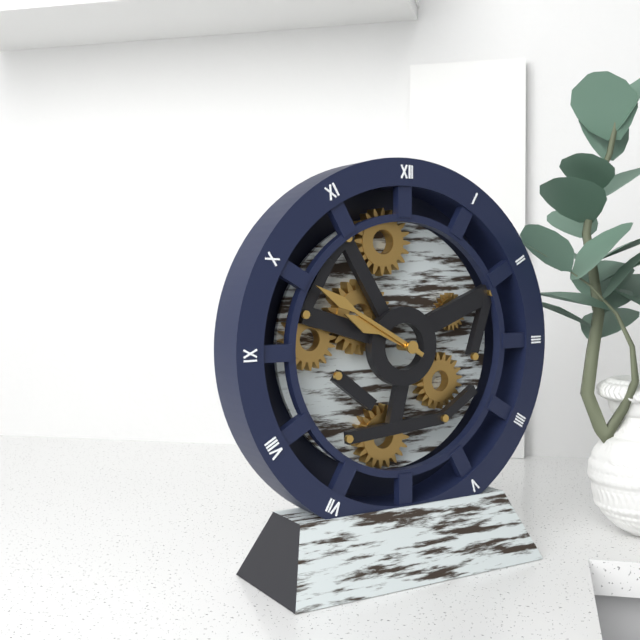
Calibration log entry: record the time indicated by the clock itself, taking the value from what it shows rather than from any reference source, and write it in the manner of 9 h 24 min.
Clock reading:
9 h 50 min
